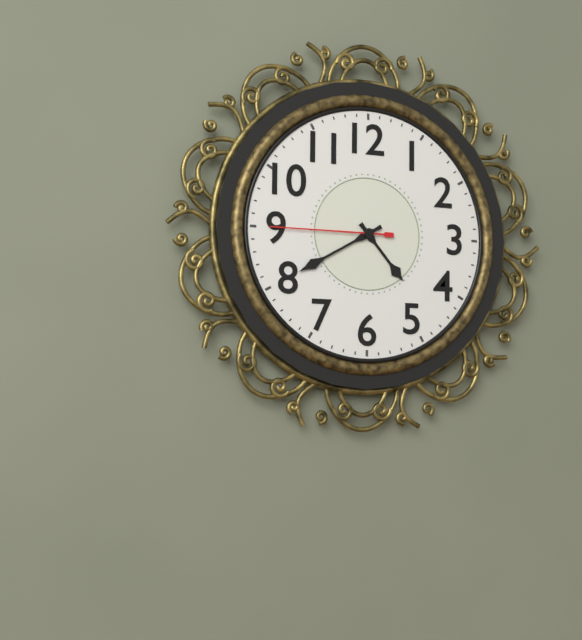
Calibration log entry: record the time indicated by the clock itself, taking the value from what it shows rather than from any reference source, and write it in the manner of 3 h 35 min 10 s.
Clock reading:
4 h 40 min 45 s
